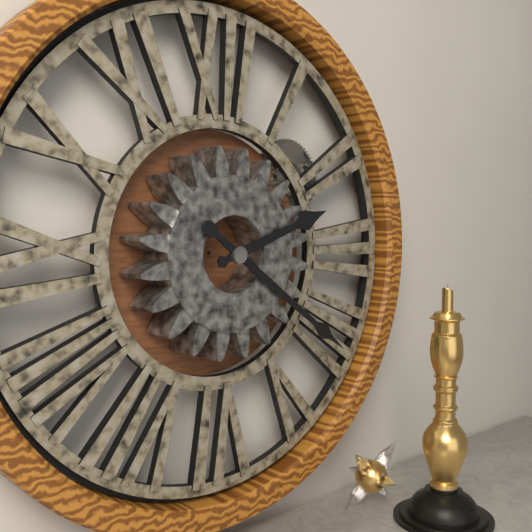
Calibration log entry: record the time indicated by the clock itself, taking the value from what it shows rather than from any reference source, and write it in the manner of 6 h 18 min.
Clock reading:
2 h 21 min
